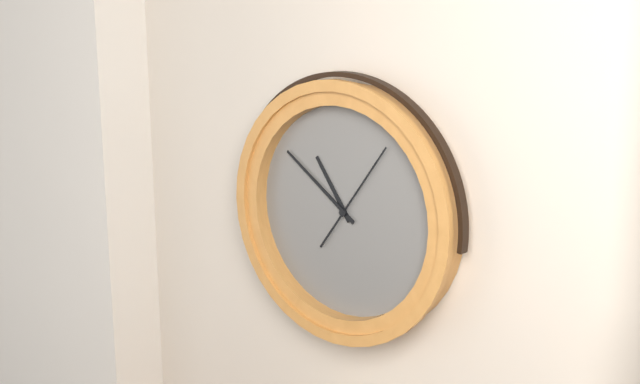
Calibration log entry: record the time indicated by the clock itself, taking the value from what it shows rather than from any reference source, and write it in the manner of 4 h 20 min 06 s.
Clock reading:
10 h 51 min 06 s
